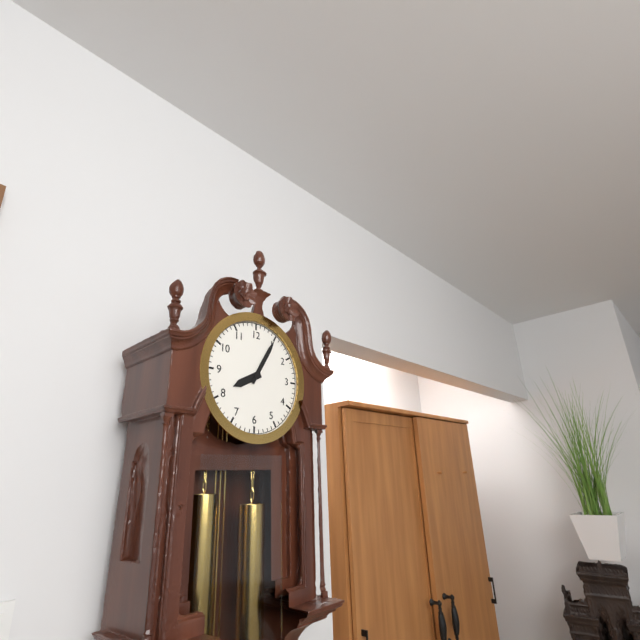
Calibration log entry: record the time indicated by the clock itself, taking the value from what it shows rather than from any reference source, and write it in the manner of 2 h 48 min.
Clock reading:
8 h 05 min
